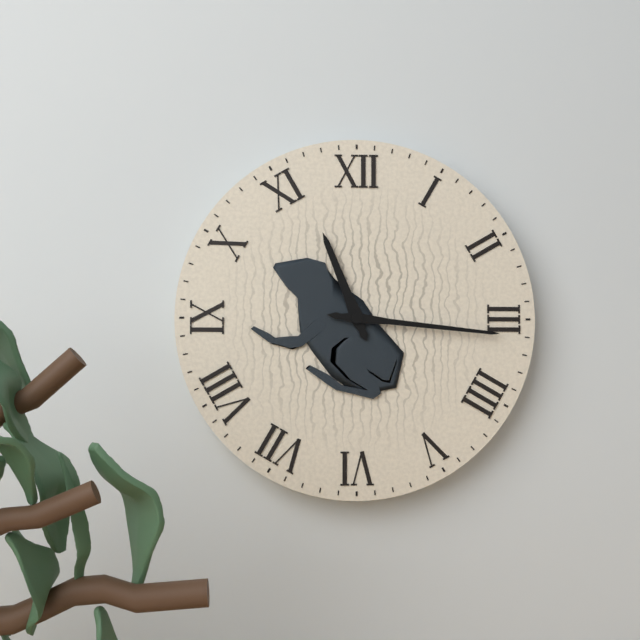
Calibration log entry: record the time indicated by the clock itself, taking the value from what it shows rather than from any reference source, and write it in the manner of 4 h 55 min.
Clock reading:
11 h 16 min
